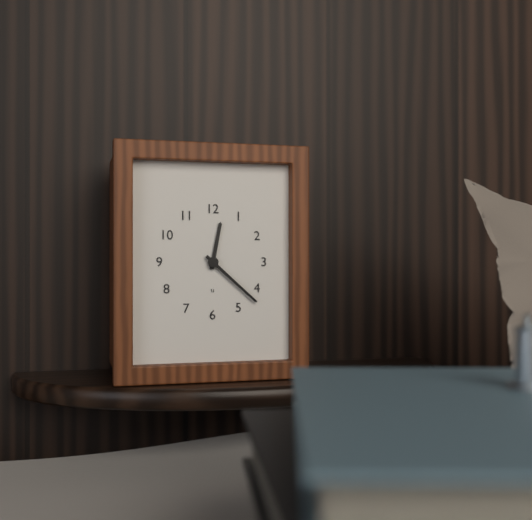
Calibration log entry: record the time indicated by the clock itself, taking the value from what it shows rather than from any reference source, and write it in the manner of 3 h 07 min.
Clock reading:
12 h 22 min
